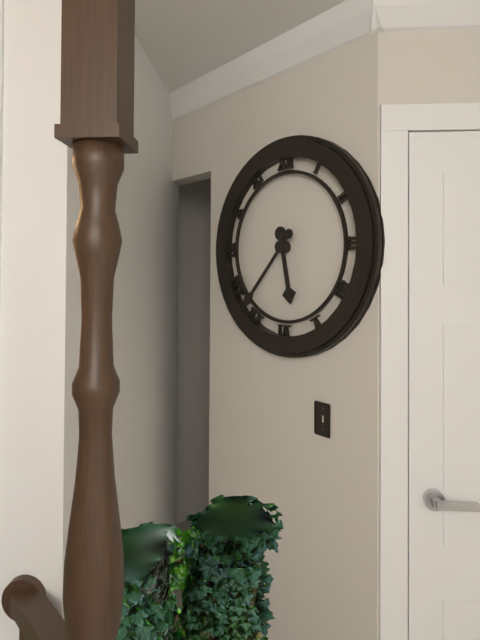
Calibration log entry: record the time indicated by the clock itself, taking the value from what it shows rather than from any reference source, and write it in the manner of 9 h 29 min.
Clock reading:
5 h 37 min
